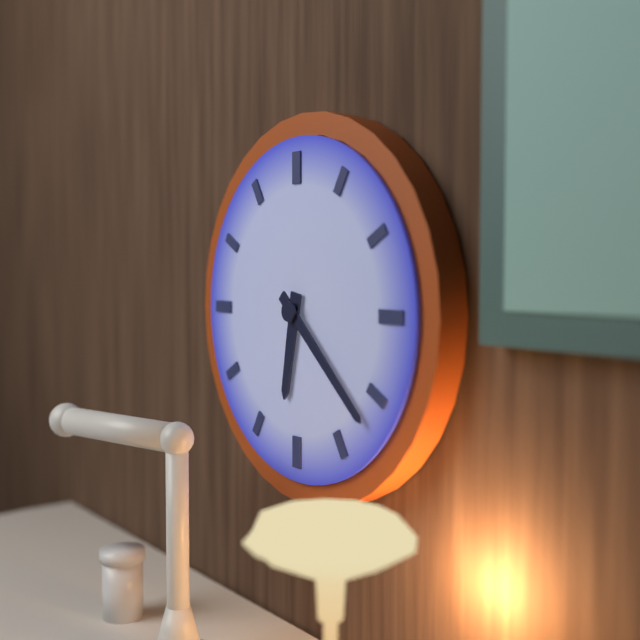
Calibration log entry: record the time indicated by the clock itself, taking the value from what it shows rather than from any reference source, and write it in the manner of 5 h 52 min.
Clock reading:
6 h 22 min
